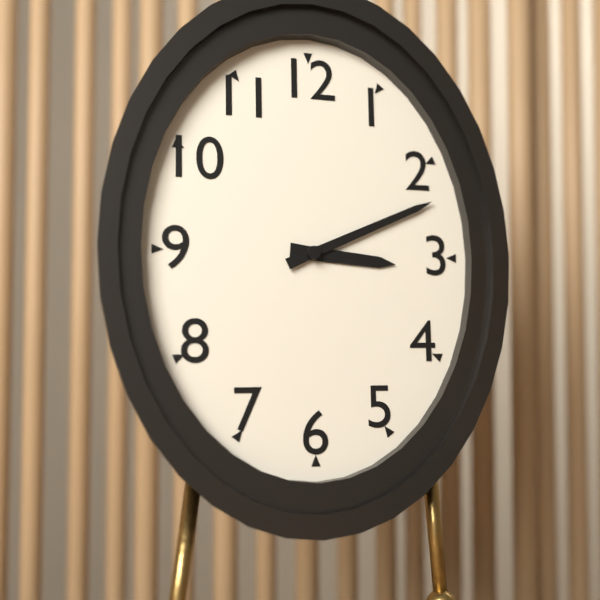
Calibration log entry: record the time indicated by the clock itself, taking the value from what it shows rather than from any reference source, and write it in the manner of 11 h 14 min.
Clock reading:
3 h 11 min
